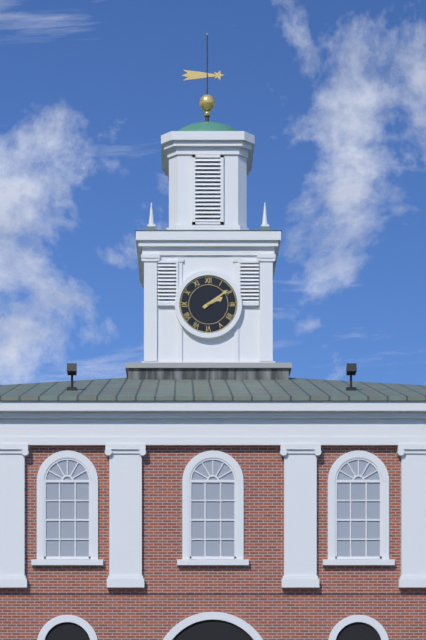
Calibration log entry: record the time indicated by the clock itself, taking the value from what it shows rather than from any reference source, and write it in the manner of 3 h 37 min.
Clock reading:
2 h 09 min
